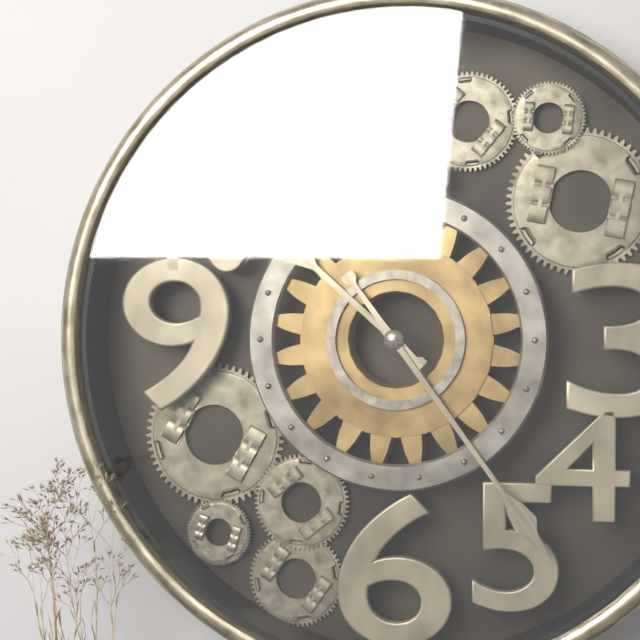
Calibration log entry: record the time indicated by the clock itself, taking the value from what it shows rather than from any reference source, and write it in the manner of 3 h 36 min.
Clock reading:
10 h 24 min
